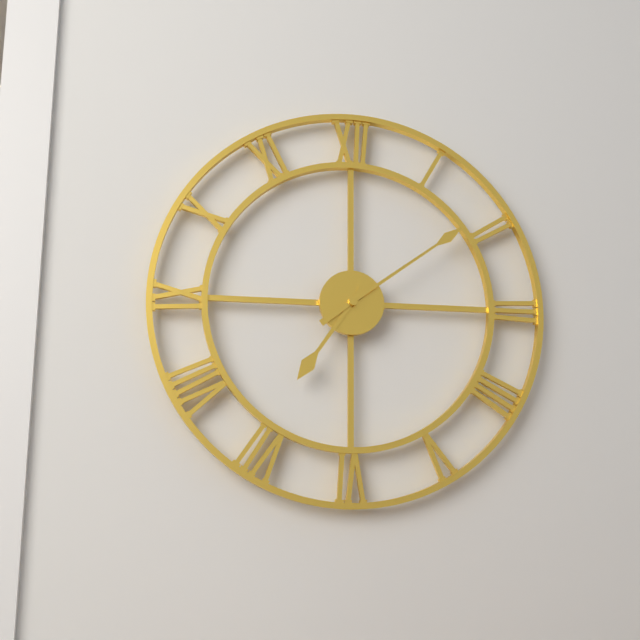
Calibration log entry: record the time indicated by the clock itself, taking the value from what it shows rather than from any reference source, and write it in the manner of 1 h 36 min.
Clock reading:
7 h 09 min
